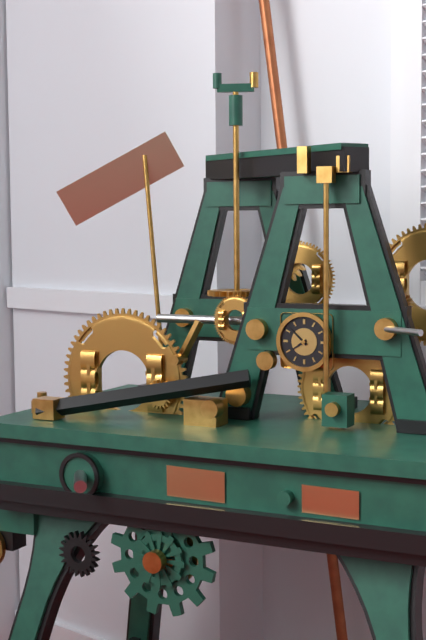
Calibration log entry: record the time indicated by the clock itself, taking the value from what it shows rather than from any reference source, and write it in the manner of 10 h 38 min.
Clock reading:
7 h 52 min
